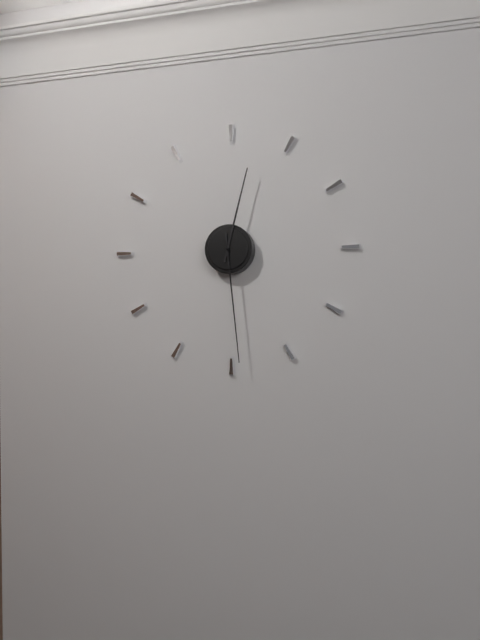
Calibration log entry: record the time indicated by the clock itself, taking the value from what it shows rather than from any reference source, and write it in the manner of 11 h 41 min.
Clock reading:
12 h 29 min
